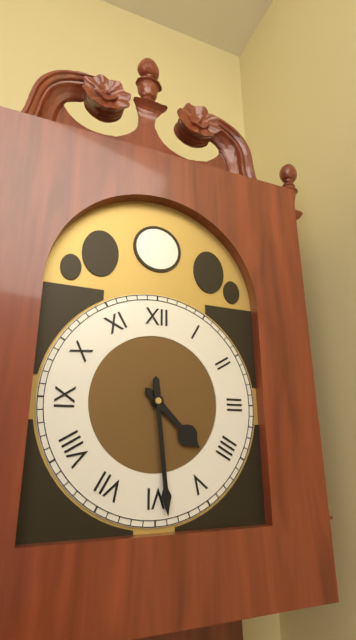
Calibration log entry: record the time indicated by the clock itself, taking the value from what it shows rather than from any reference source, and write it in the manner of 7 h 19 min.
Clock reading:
4 h 29 min
